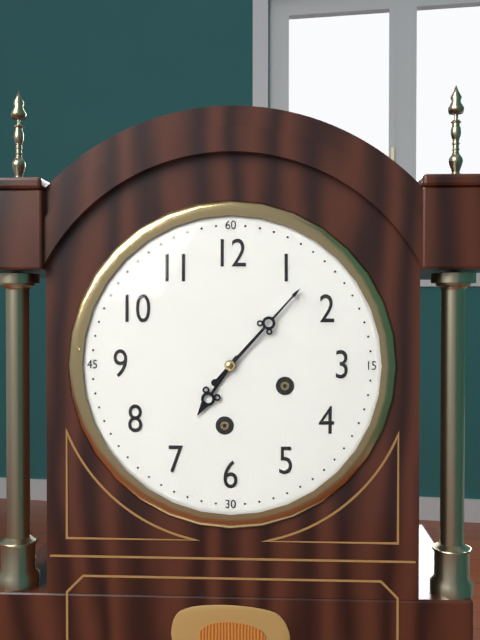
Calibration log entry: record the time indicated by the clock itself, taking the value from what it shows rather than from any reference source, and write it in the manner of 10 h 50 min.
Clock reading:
7 h 07 min
